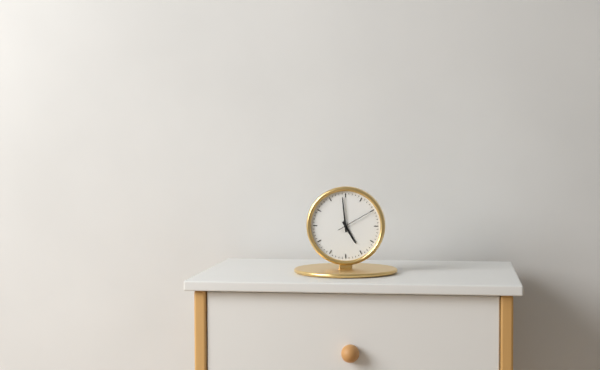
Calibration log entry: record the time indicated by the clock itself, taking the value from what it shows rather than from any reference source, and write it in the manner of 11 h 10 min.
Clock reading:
4 h 59 min
